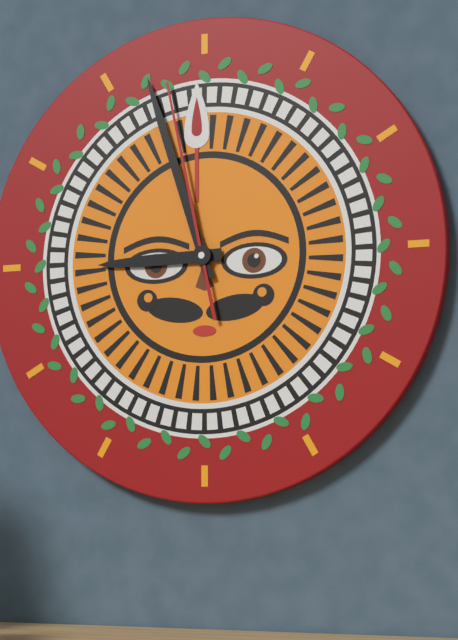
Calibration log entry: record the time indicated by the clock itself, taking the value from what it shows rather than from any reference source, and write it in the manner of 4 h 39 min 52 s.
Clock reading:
8 h 57 min 58 s
